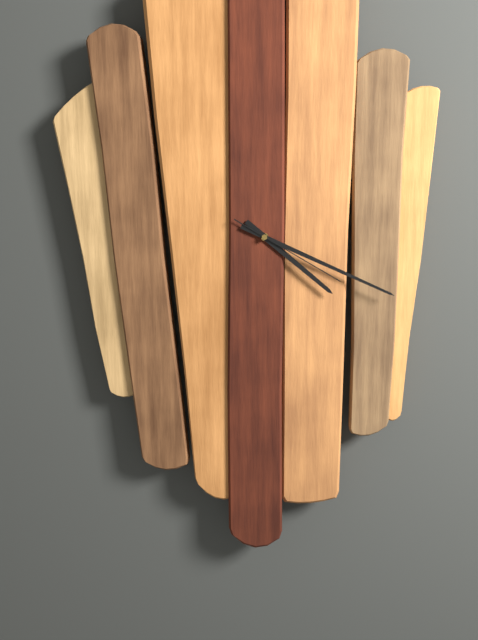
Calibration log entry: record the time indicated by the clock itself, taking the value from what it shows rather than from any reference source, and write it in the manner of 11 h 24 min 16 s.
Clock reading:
4 h 19 min 20 s
